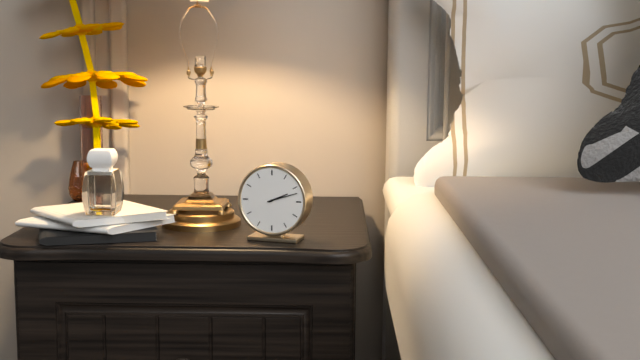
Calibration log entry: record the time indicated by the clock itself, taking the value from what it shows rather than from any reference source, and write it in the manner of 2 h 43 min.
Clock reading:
2 h 12 min
